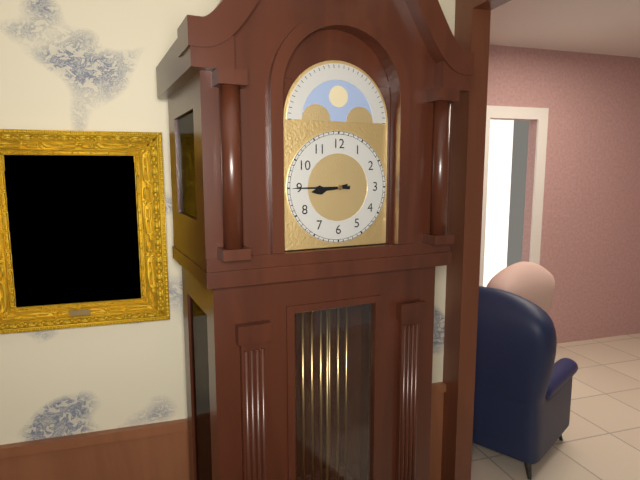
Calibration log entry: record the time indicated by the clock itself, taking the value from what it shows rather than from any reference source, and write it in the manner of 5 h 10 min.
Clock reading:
8 h 45 min
